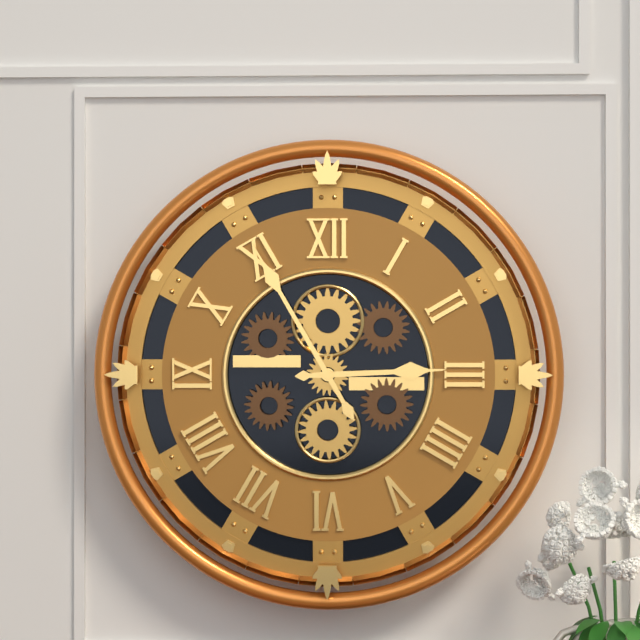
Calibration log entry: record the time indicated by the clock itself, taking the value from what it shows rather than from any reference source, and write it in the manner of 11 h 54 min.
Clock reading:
2 h 55 min
